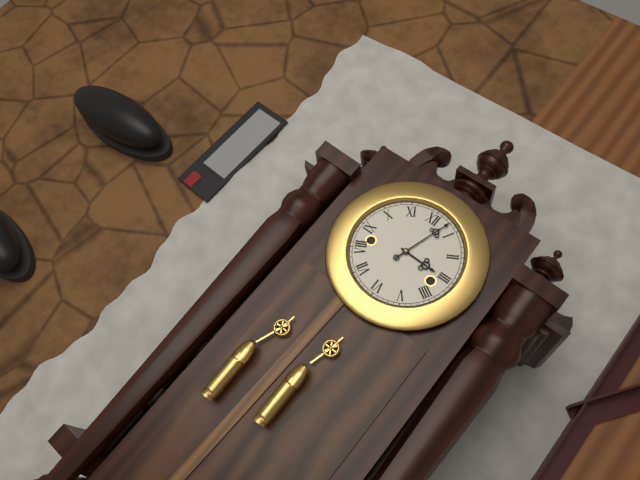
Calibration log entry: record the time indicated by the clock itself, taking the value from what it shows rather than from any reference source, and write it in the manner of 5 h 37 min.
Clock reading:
3 h 03 min
